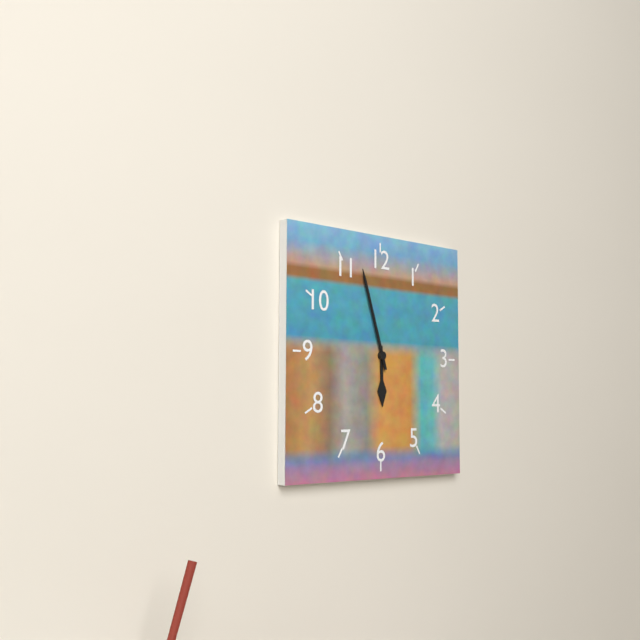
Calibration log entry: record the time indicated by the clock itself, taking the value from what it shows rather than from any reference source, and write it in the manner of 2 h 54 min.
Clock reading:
5 h 57 min
